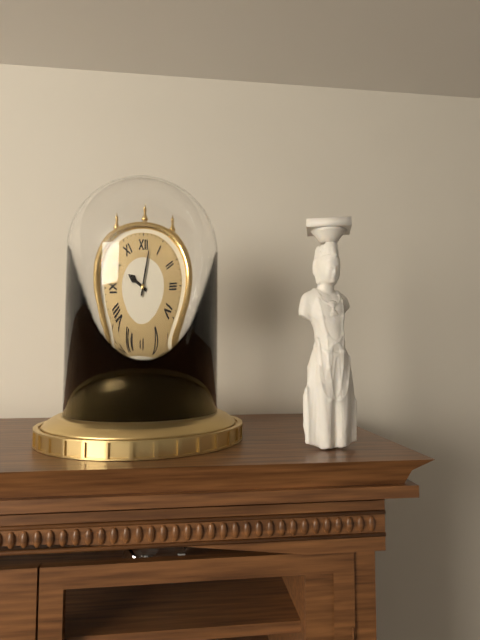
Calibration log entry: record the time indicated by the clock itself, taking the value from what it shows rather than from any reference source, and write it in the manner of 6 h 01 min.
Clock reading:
10 h 02 min
